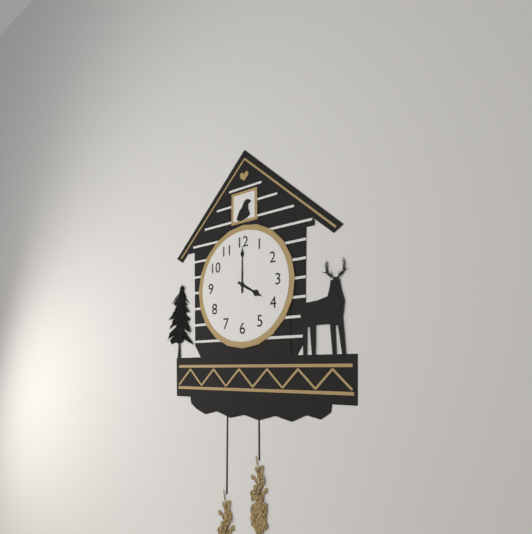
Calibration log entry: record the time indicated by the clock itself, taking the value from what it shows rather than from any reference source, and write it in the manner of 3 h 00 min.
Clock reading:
4 h 00 min
